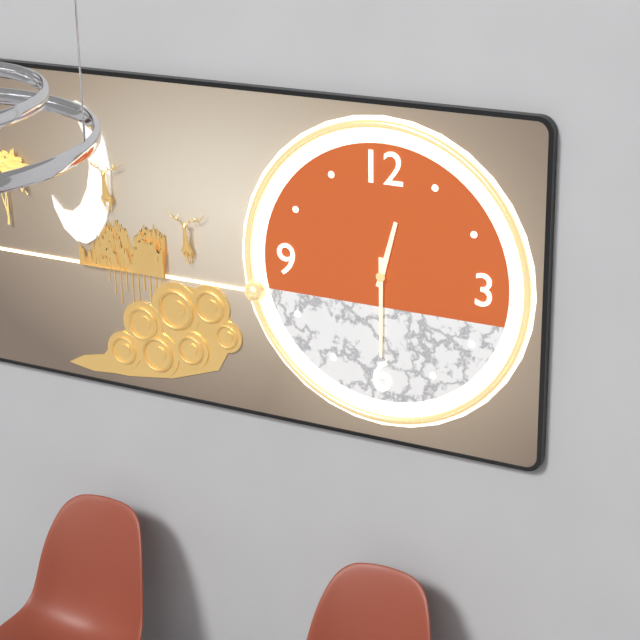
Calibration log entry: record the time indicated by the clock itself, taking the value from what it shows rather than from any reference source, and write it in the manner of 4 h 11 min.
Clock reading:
12 h 30 min
